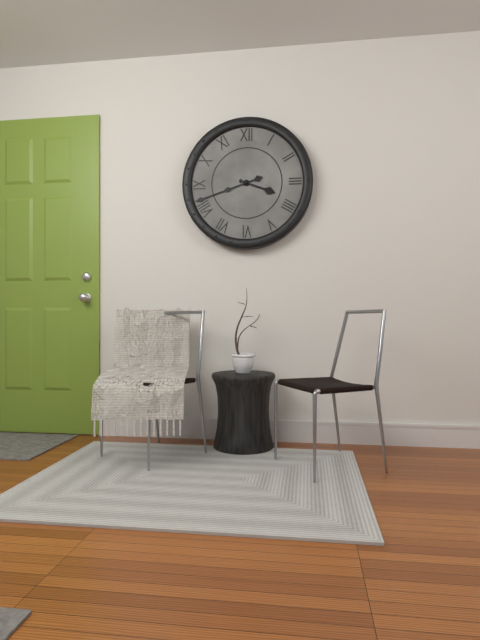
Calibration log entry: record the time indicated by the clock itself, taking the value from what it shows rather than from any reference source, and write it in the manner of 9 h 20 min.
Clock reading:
3 h 42 min
